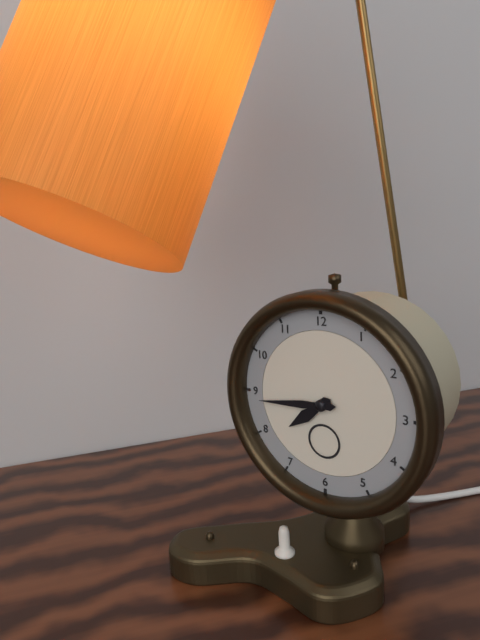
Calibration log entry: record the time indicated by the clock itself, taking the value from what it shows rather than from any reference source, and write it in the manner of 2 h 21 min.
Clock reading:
7 h 44 min
